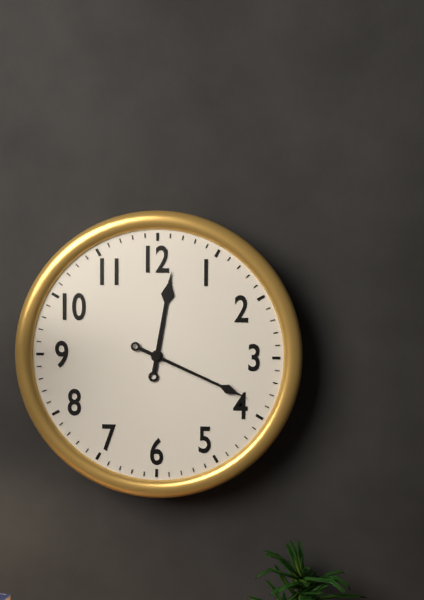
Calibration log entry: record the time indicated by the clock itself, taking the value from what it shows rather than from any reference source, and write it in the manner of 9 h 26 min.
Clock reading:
12 h 19 min
